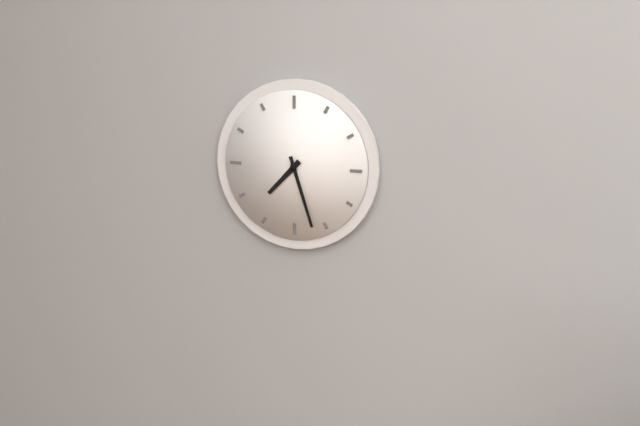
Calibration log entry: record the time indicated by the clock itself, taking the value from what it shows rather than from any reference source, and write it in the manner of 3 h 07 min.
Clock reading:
7 h 27 min
